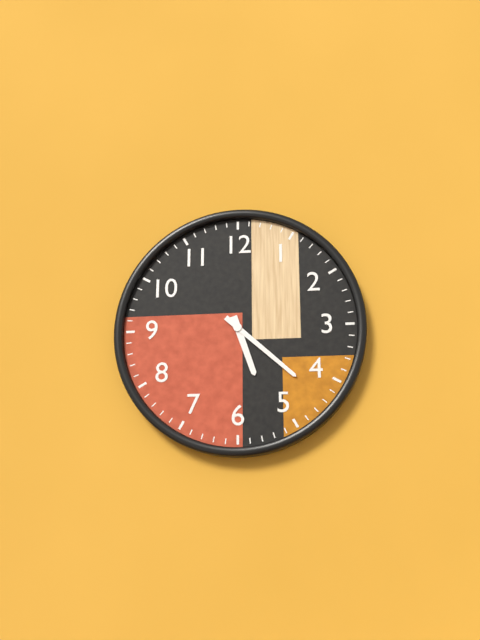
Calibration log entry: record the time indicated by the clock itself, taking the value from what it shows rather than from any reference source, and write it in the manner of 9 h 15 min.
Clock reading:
5 h 22 min
